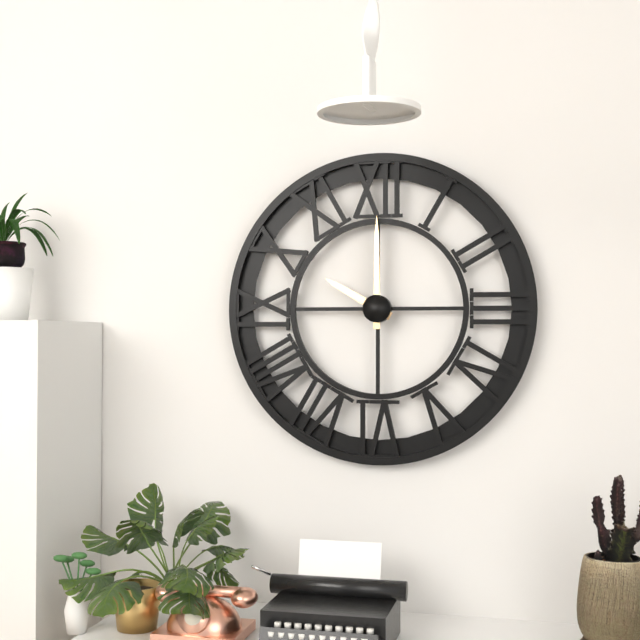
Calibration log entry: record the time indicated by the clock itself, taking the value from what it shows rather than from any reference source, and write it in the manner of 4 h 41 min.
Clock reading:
10 h 00 min
